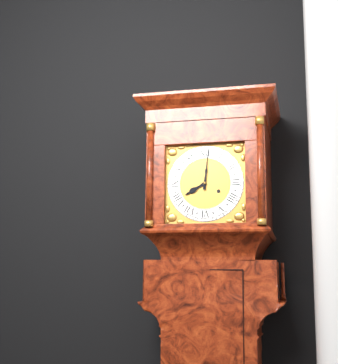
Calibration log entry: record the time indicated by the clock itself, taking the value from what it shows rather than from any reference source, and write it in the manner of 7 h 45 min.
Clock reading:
8 h 01 min
